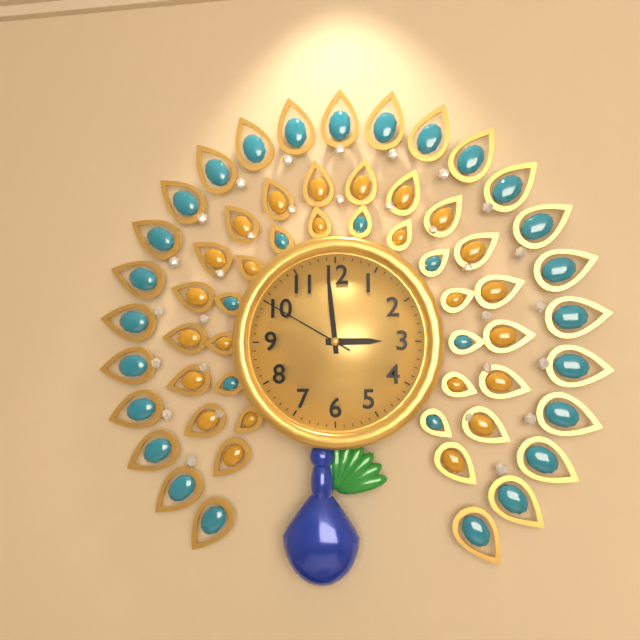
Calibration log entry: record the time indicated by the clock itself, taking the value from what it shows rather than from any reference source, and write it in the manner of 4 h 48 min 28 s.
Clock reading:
2 h 59 min 50 s
